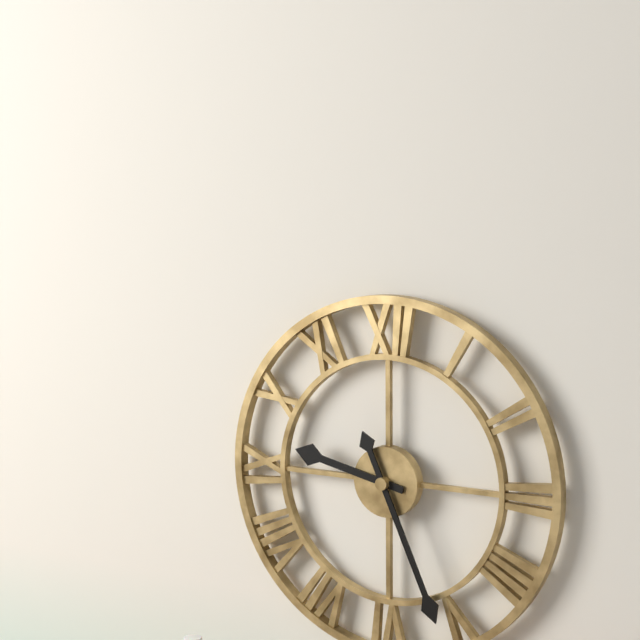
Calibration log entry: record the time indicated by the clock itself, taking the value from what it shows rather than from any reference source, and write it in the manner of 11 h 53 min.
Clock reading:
9 h 26 min
